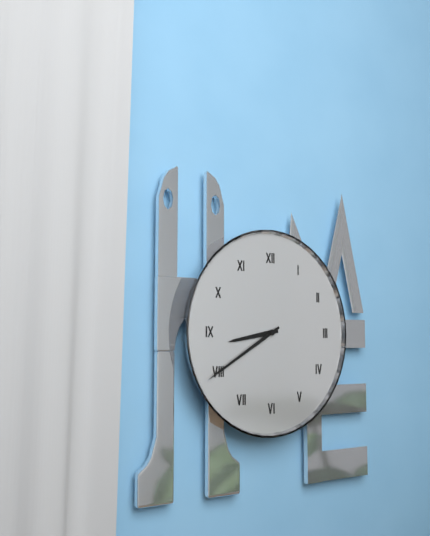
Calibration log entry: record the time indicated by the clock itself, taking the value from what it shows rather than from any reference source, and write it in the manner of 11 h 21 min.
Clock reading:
8 h 40 min
